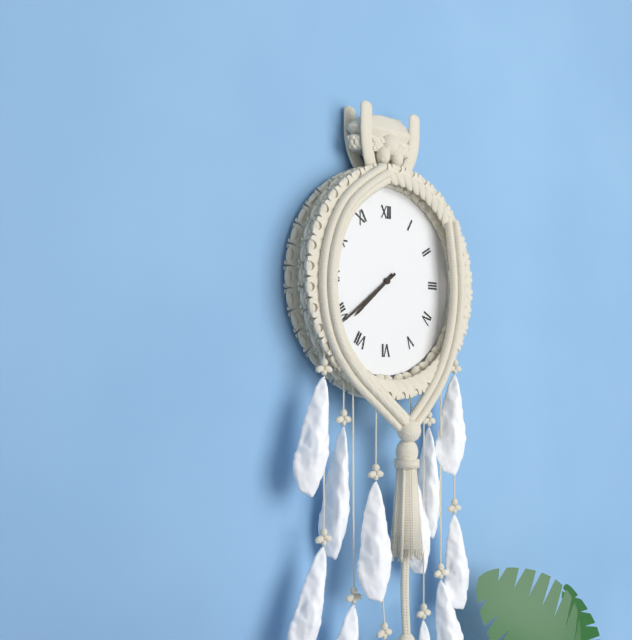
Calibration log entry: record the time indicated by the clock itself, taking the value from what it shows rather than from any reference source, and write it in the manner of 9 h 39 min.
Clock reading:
7 h 39 min
